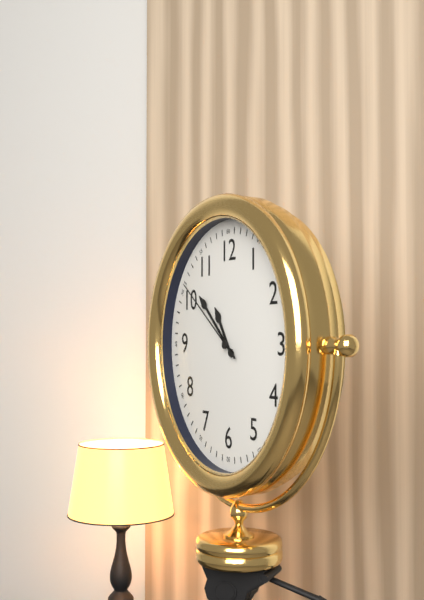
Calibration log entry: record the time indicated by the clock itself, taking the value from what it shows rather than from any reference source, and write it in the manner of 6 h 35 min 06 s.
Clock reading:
10 h 52 min 51 s
